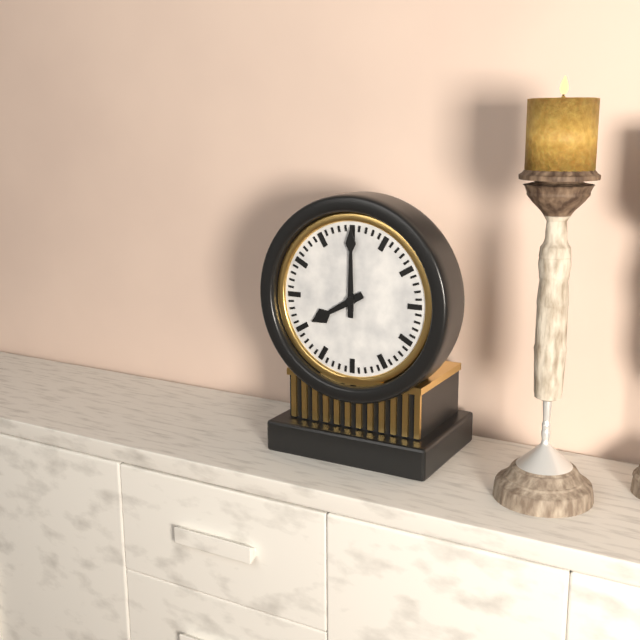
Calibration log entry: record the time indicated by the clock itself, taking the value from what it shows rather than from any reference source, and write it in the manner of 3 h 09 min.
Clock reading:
8 h 00 min
